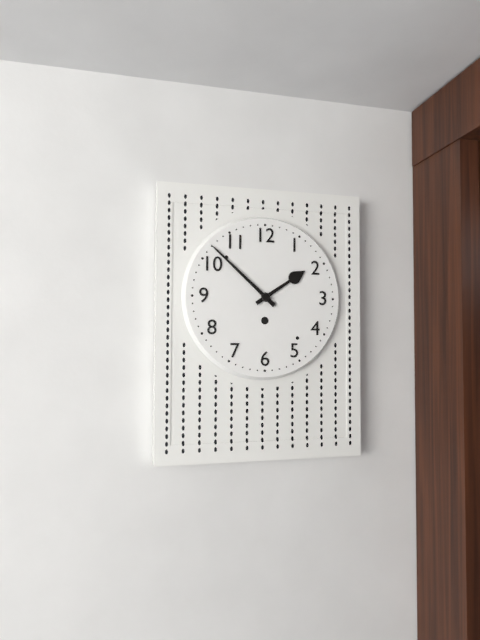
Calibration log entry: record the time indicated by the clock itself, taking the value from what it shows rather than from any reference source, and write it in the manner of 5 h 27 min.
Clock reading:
1 h 52 min
